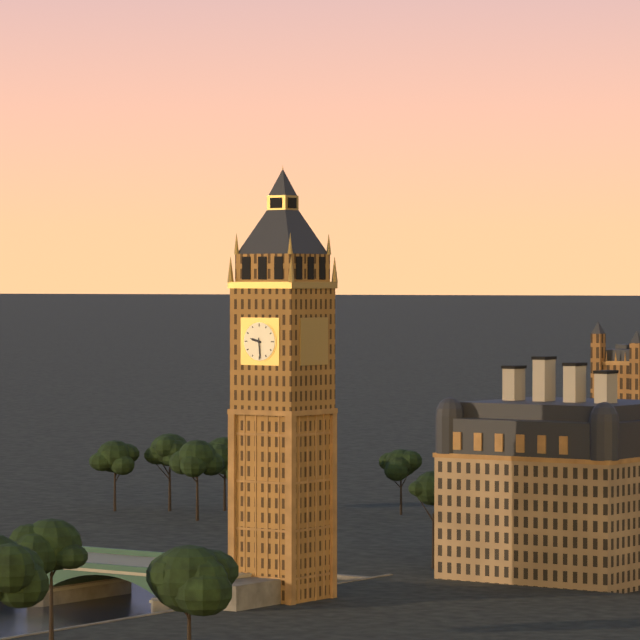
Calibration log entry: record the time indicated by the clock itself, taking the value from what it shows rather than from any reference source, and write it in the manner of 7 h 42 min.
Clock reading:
9 h 29 min
